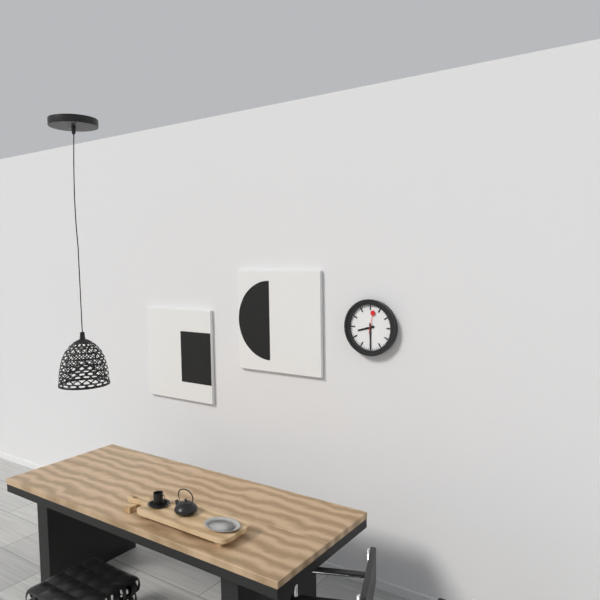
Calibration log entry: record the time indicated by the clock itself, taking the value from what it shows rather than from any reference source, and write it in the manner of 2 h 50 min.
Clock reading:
8 h 30 min
